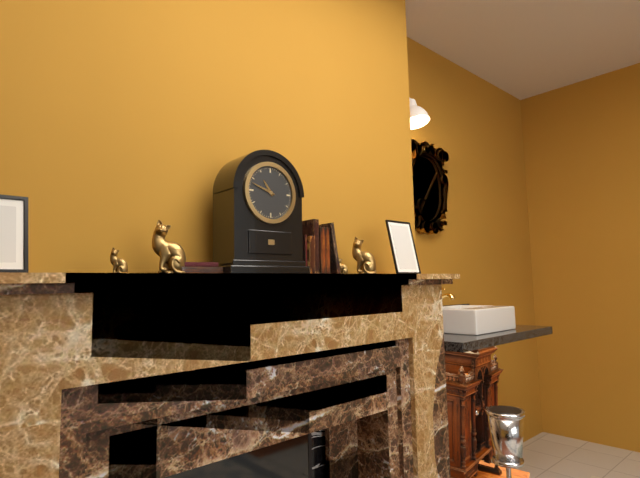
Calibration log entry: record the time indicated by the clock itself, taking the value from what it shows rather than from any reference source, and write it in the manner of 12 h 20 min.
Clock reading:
10 h 48 min
